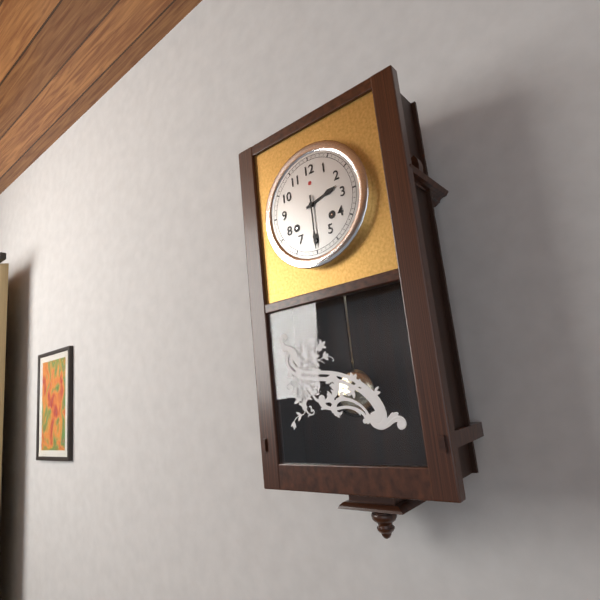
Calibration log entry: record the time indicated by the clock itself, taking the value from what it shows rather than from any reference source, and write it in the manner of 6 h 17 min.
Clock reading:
2 h 30 min
